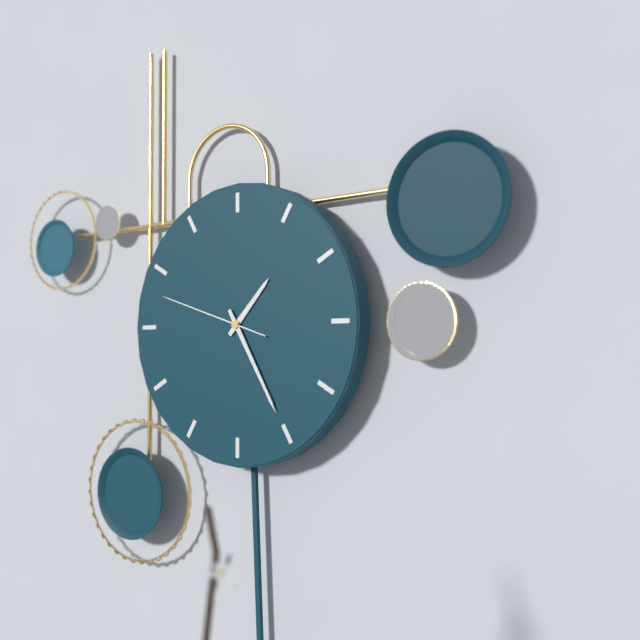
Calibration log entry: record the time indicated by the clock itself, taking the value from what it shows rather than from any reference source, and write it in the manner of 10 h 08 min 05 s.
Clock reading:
1 h 25 min 48 s
